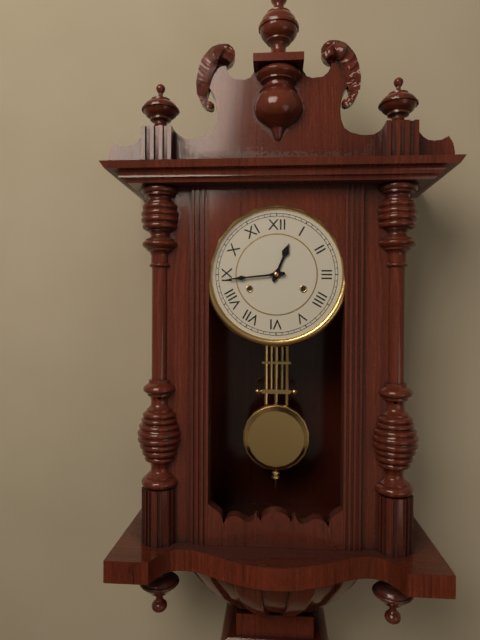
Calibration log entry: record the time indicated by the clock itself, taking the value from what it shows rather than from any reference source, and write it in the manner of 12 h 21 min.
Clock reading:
12 h 44 min
